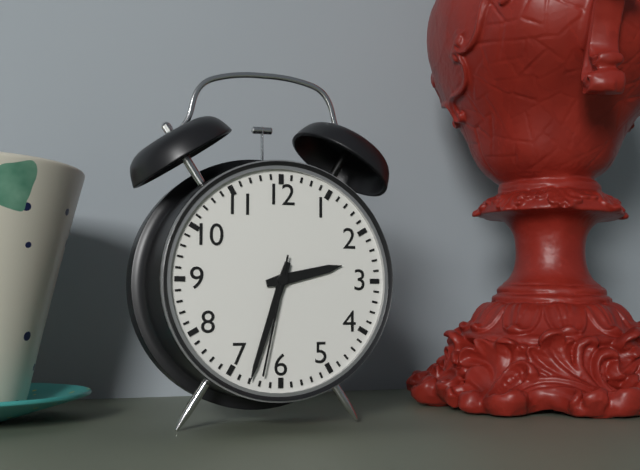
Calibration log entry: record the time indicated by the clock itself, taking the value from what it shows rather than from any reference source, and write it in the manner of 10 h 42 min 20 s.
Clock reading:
2 h 33 min 32 s
